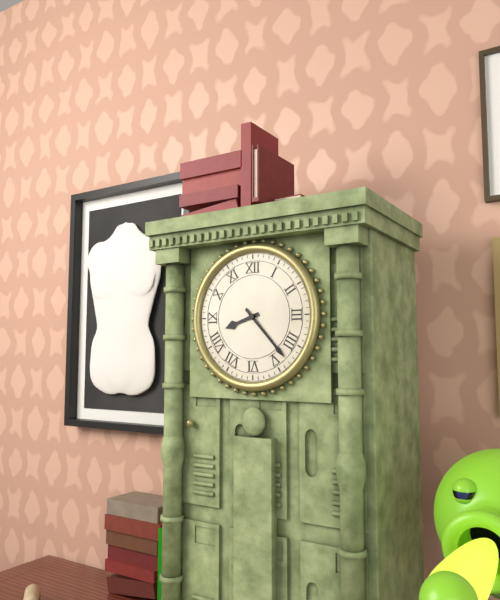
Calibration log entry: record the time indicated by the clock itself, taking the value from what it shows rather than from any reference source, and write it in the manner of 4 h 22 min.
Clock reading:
8 h 23 min
